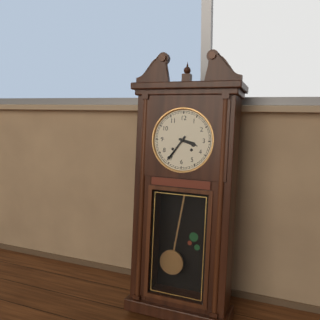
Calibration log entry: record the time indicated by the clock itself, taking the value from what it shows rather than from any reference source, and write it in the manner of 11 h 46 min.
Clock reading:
3 h 36 min
